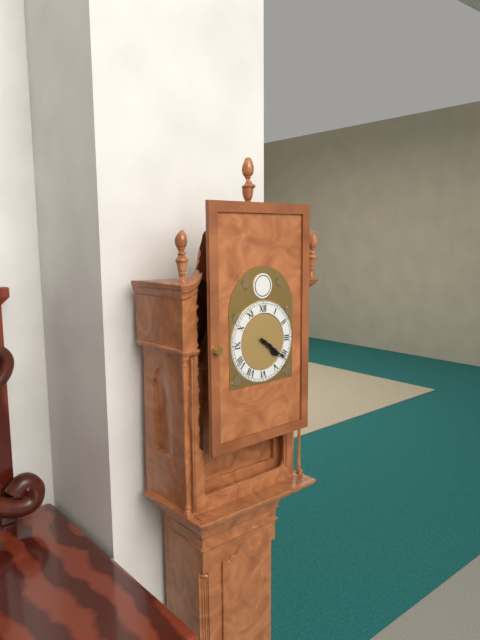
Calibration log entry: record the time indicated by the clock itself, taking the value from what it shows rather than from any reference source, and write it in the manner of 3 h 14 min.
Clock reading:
4 h 21 min
